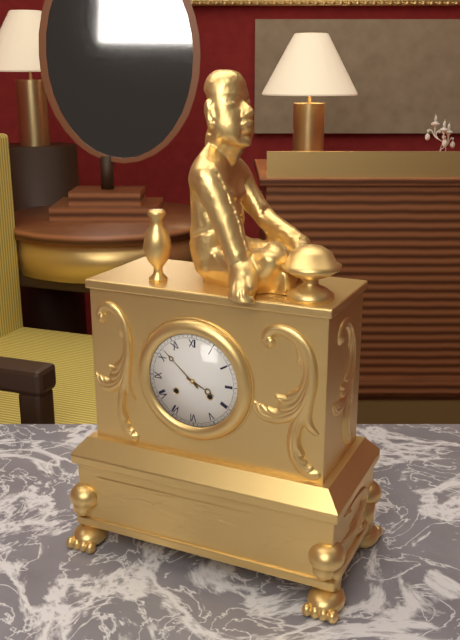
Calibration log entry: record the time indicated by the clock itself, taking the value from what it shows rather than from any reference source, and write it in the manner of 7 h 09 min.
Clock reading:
3 h 52 min
